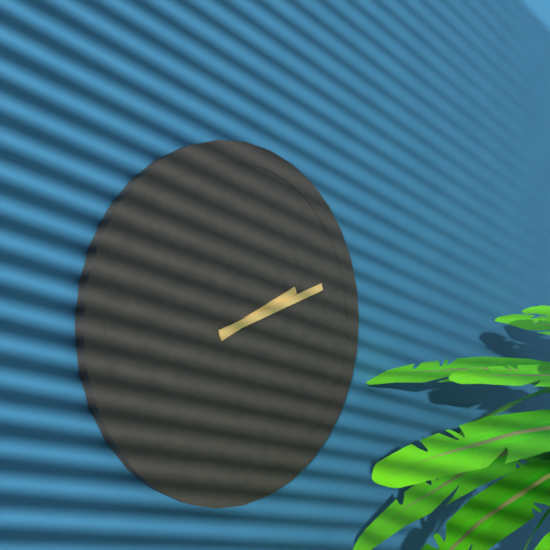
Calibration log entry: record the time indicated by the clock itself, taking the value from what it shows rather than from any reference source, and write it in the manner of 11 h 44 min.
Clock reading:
2 h 12 min
